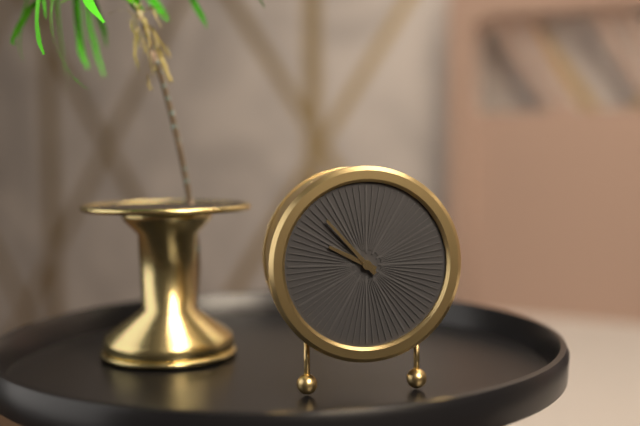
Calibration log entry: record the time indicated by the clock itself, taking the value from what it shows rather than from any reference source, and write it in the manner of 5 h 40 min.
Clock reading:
9 h 53 min
